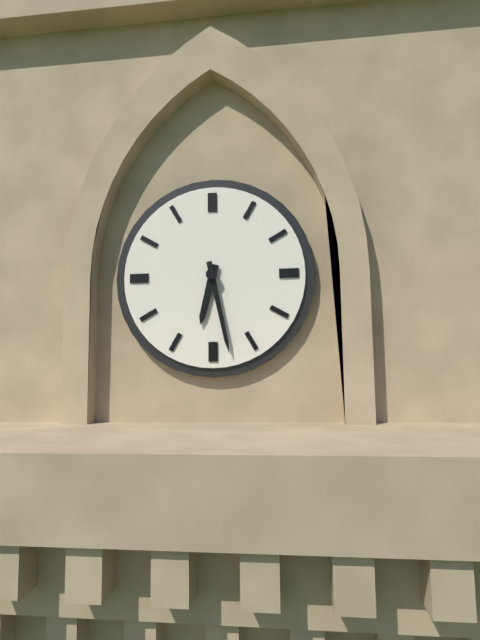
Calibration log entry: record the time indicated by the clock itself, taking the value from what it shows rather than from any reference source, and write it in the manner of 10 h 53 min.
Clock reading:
6 h 28 min
